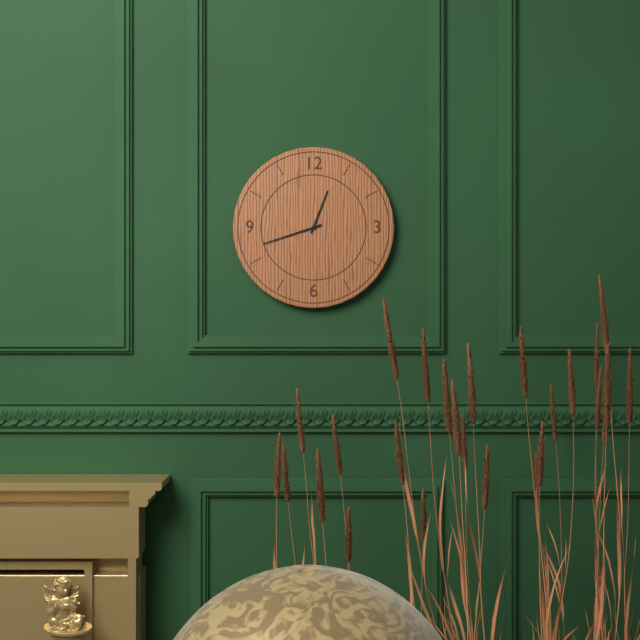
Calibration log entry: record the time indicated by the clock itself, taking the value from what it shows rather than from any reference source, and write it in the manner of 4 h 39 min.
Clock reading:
12 h 42 min
